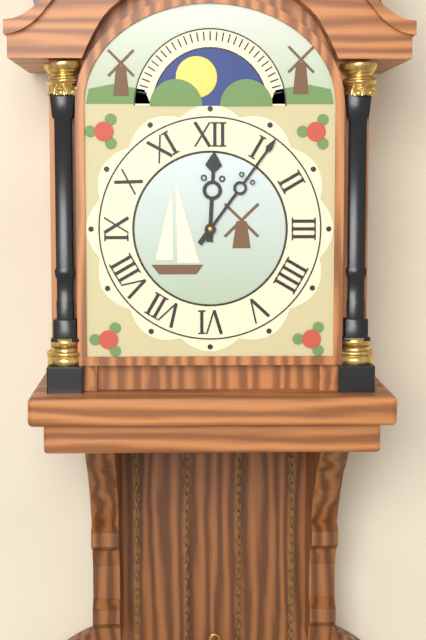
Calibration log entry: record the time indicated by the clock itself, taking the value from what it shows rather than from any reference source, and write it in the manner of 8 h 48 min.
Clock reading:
12 h 06 min
